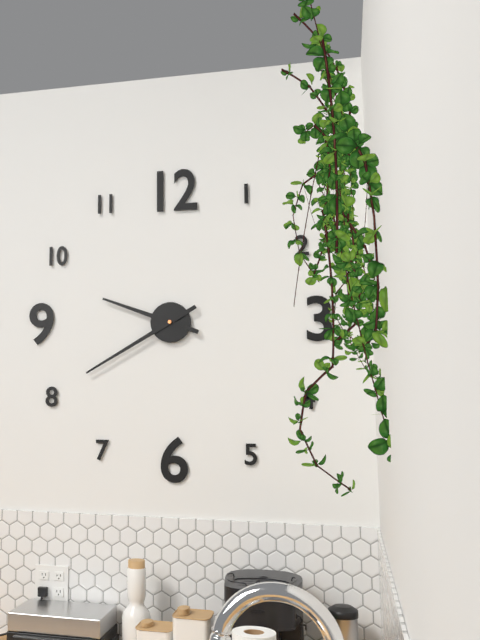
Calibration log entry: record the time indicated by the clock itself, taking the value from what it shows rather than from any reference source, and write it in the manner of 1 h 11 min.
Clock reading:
9 h 40 min
